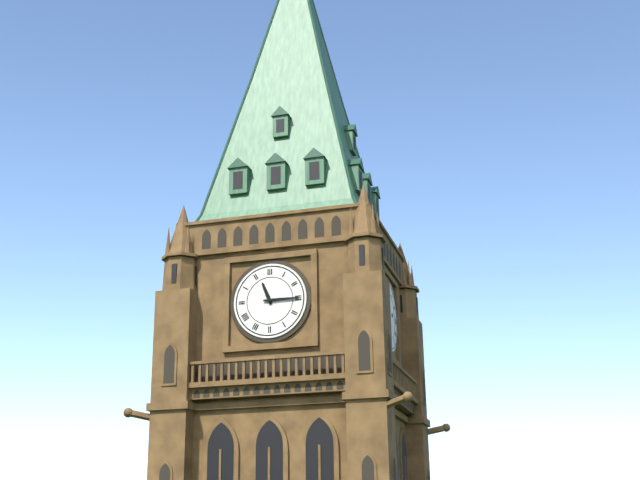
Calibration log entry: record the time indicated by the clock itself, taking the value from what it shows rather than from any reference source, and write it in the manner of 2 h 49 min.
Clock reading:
11 h 15 min
